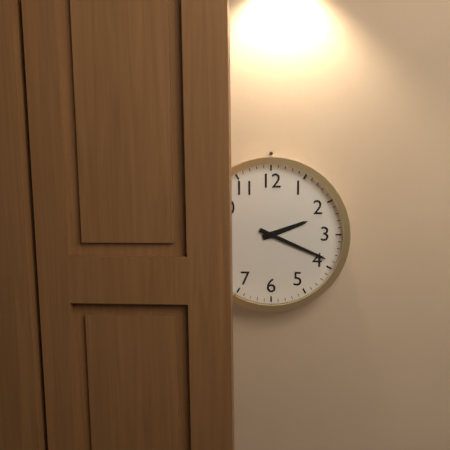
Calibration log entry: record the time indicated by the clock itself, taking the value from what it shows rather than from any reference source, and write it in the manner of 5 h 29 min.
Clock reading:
2 h 19 min
